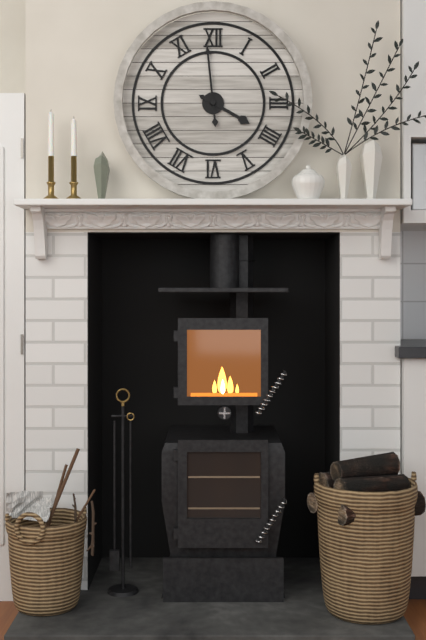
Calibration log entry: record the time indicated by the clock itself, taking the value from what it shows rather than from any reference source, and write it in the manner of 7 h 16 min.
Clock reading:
3 h 59 min
